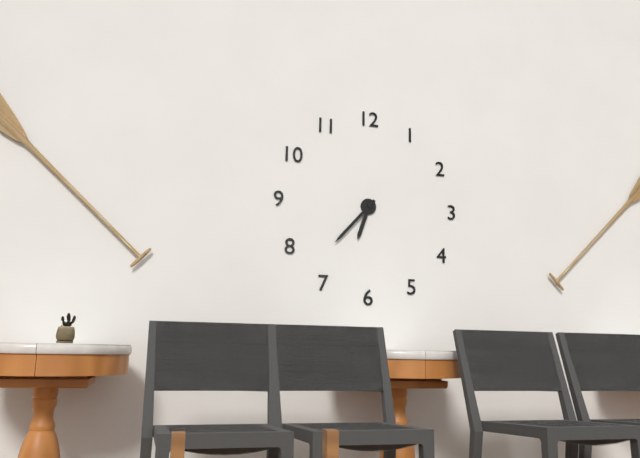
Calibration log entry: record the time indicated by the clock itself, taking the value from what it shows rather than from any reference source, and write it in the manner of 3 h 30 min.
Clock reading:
6 h 37 min
